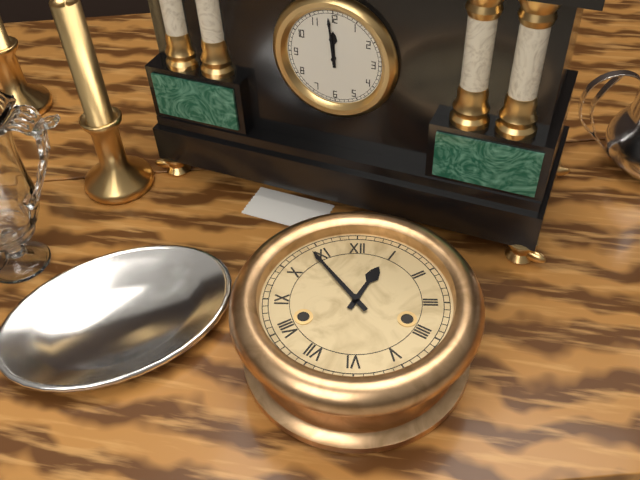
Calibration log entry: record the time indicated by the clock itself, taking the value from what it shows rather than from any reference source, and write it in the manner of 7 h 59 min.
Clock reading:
12 h 54 min
